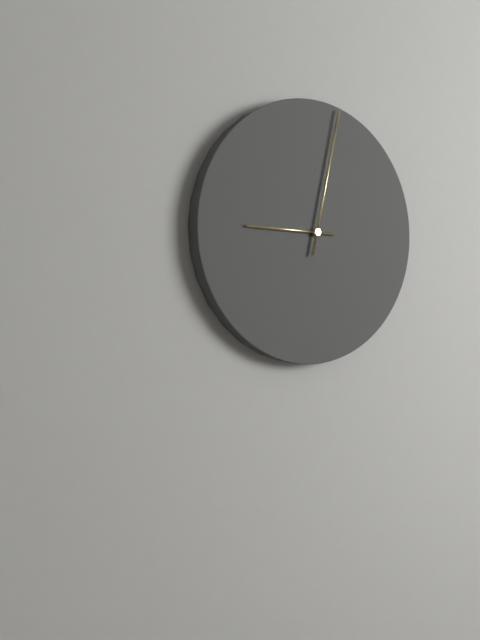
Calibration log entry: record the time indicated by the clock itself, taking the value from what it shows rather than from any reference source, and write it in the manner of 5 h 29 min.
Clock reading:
9 h 02 min
